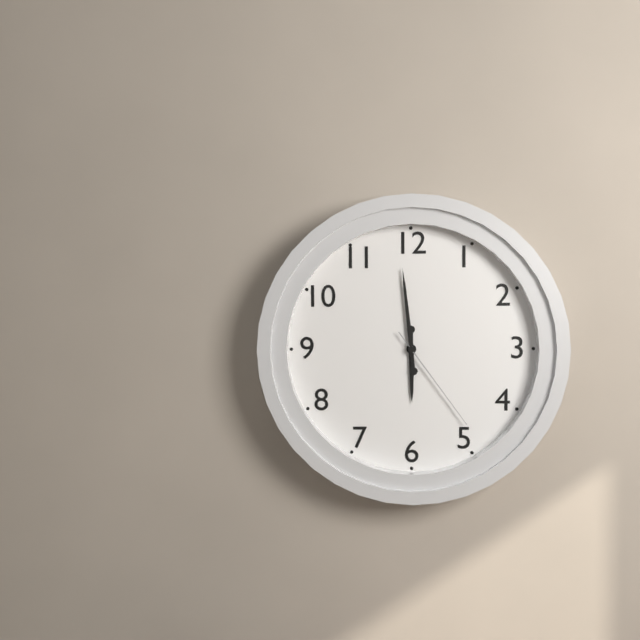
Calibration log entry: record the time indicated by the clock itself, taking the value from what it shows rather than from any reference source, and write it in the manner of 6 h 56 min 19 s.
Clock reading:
5 h 59 min 24 s
